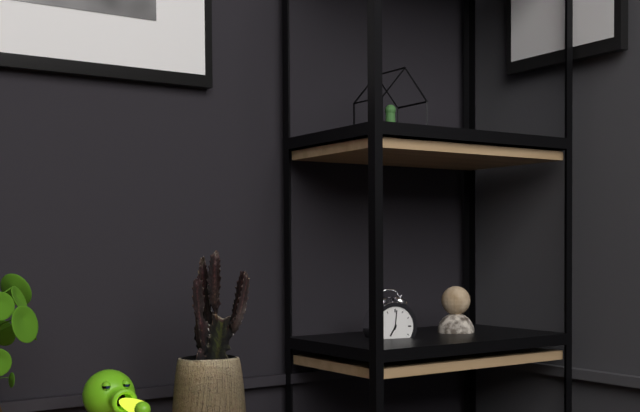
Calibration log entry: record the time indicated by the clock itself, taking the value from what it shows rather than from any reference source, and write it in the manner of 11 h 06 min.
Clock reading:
7 h 01 min
